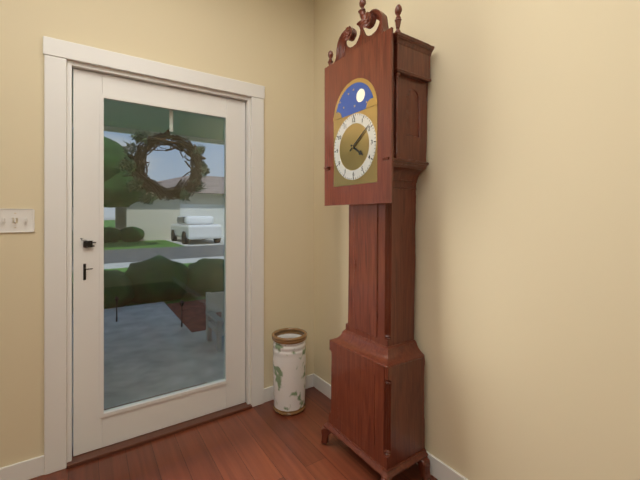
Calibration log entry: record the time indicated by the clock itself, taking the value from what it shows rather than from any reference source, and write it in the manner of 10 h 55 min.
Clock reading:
4 h 09 min
